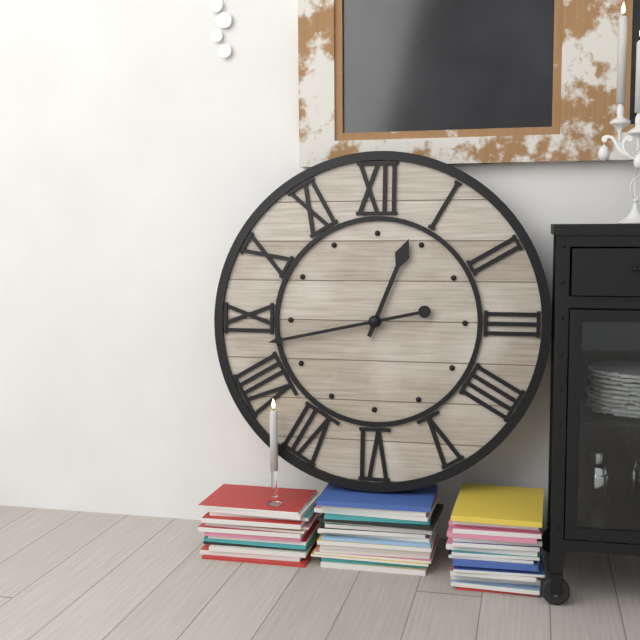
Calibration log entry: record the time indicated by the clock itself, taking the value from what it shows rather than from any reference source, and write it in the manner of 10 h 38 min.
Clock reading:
12 h 43 min
